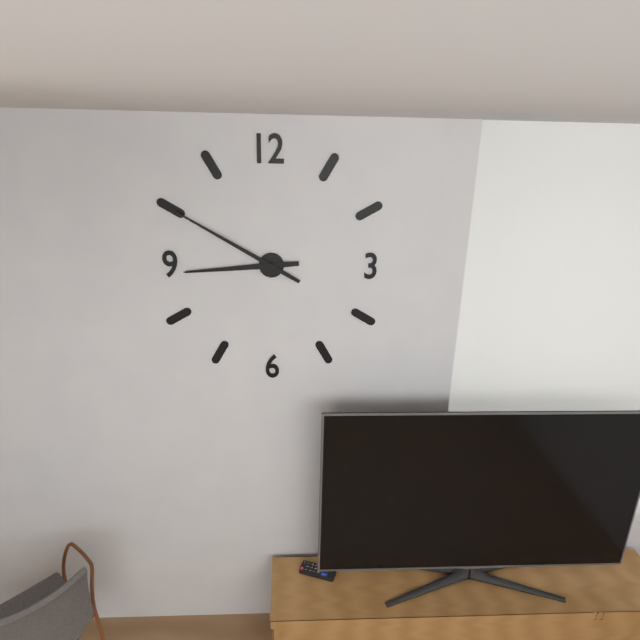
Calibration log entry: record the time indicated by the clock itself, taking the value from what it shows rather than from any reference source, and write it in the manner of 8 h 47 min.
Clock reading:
8 h 50 min
